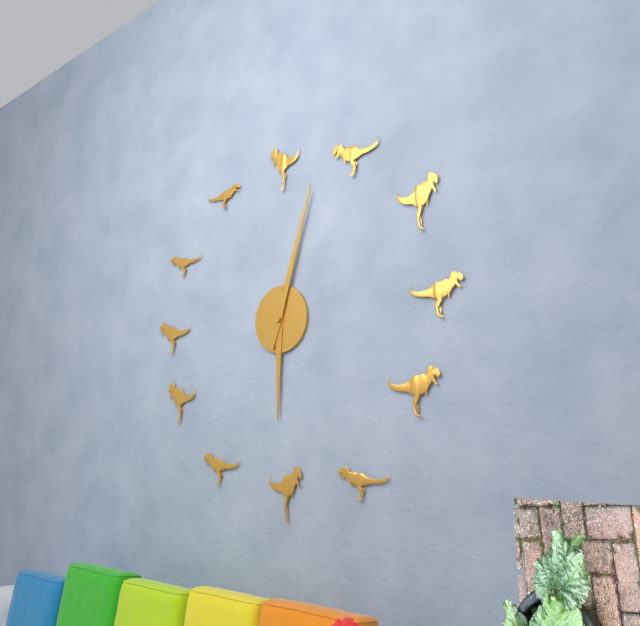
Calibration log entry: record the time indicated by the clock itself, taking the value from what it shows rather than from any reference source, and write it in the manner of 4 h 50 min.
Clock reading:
6 h 03 min
